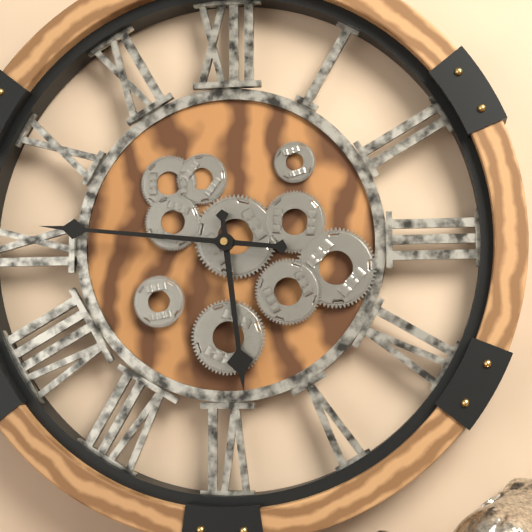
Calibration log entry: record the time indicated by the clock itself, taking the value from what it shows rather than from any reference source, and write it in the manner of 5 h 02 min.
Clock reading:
5 h 46 min
